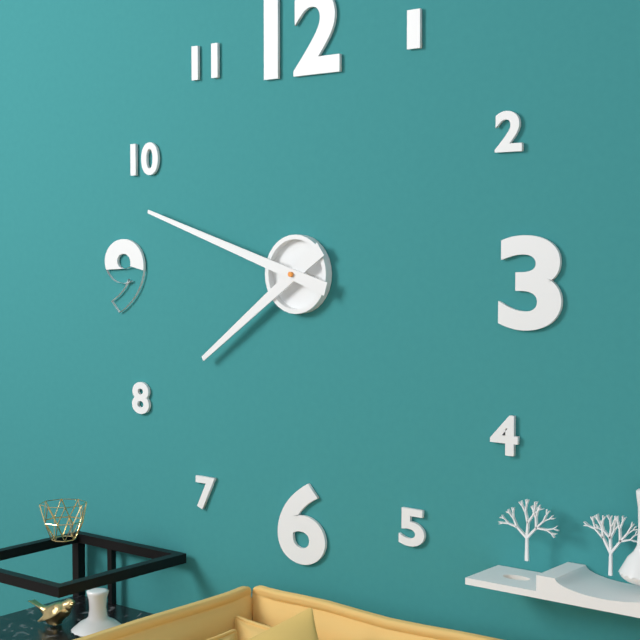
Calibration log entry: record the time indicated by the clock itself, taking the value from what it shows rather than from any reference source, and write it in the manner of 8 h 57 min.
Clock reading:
7 h 48 min
